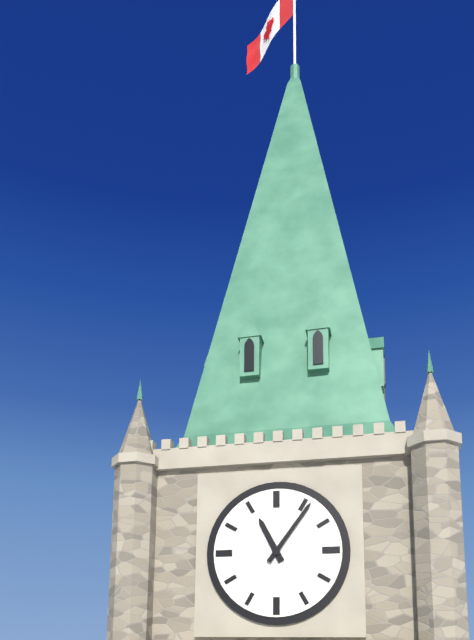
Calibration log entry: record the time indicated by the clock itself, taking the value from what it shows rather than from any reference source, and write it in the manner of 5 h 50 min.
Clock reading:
11 h 06 min
